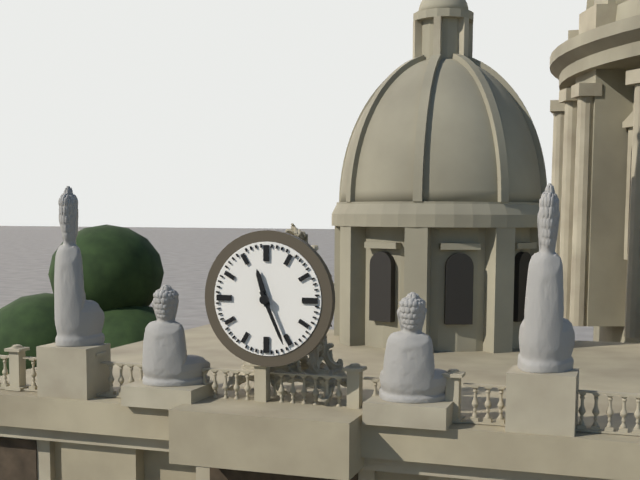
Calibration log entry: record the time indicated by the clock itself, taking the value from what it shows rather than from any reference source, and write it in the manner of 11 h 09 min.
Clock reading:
11 h 26 min
